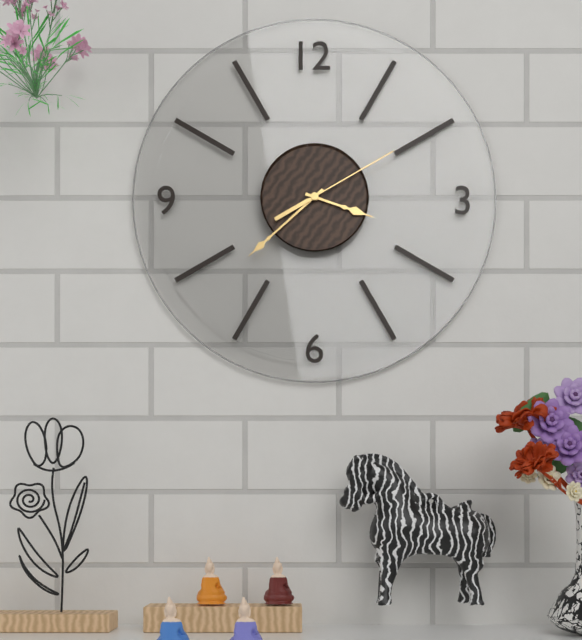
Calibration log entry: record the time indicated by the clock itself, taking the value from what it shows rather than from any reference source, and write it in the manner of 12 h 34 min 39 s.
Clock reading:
3 h 38 min 10 s
